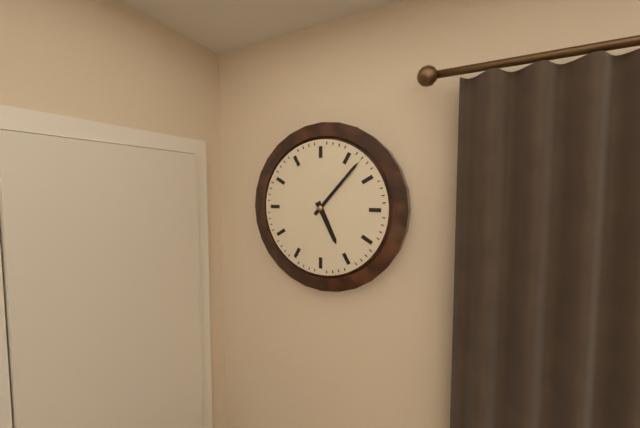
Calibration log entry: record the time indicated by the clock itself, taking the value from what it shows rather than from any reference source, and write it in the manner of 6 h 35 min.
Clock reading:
5 h 07 min
